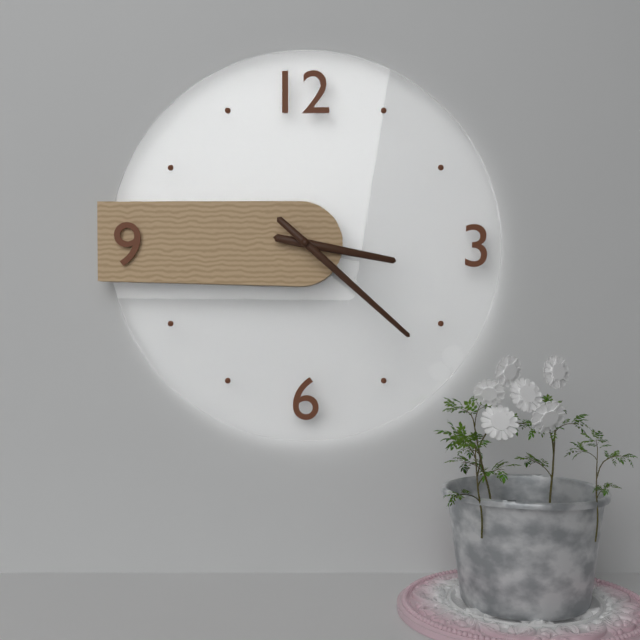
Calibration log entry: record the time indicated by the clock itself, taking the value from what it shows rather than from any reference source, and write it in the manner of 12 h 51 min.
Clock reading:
3 h 22 min
